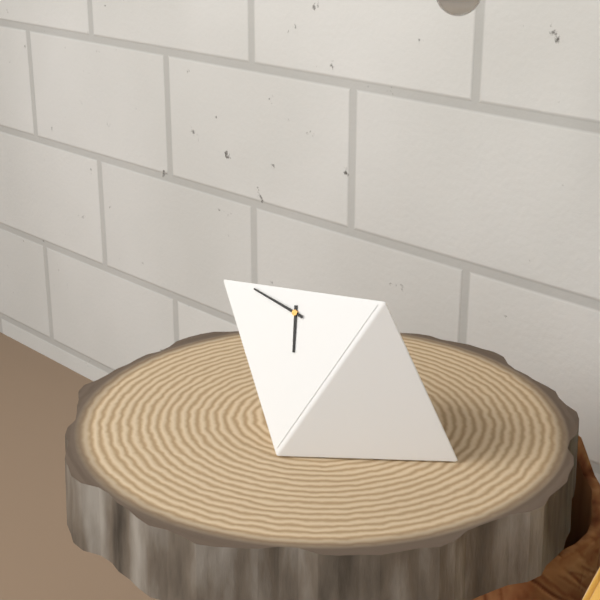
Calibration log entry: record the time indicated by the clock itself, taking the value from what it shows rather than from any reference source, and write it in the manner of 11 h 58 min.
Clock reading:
5 h 48 min
